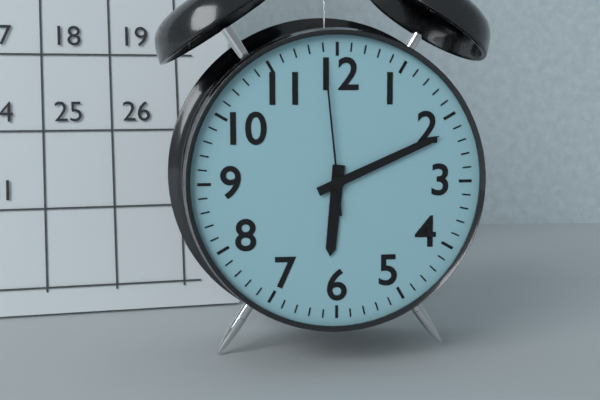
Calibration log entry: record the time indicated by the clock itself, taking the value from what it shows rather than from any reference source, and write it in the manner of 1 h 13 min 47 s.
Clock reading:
6 h 11 min 59 s
